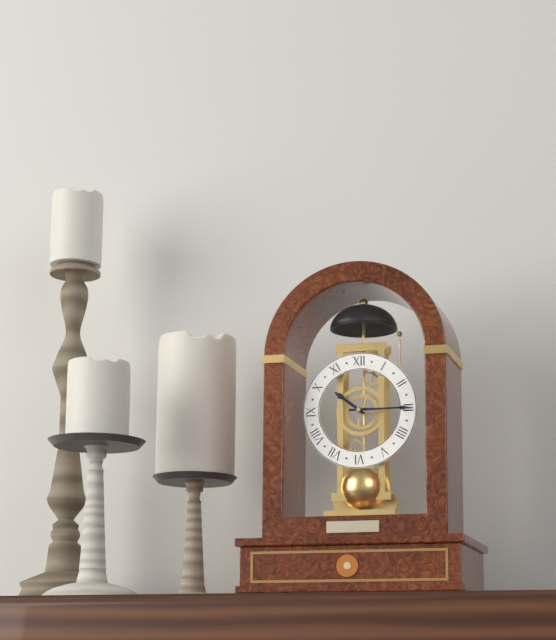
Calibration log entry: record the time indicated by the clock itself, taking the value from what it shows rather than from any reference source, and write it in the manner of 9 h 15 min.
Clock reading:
10 h 15 min
